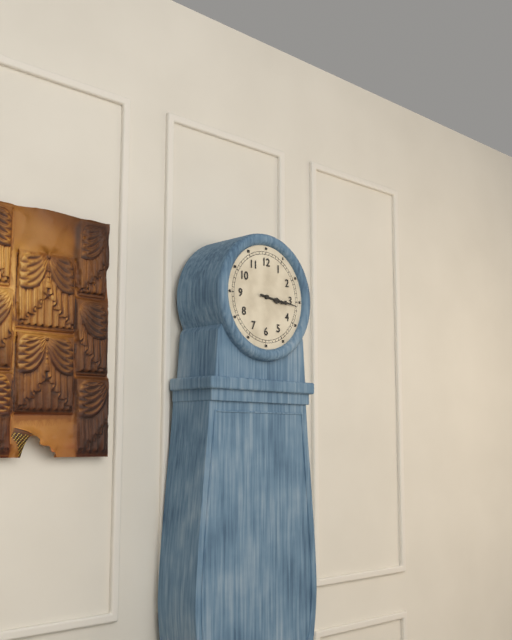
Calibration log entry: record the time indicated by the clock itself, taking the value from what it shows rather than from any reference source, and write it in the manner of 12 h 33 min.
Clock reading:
3 h 16 min
